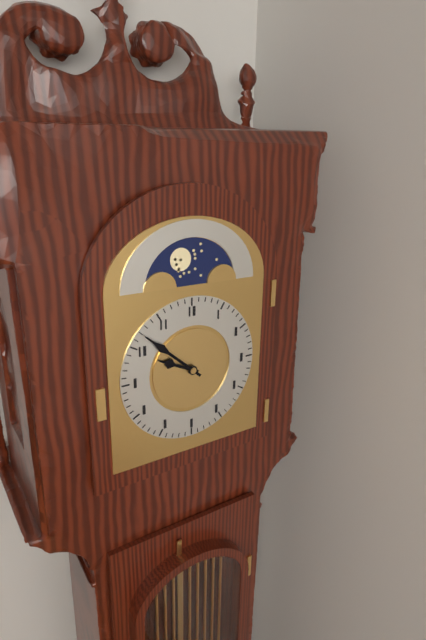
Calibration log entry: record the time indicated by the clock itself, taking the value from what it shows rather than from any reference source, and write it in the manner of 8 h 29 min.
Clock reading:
9 h 52 min
